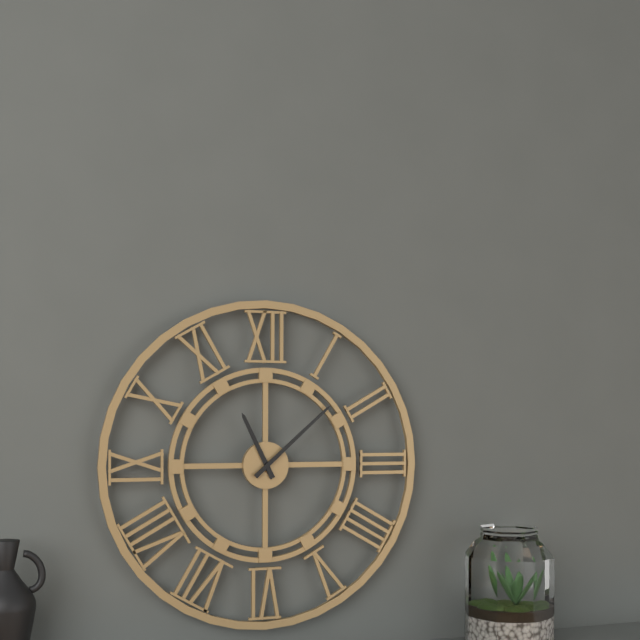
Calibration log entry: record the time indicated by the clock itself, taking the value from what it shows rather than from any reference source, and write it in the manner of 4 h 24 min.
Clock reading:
11 h 08 min
